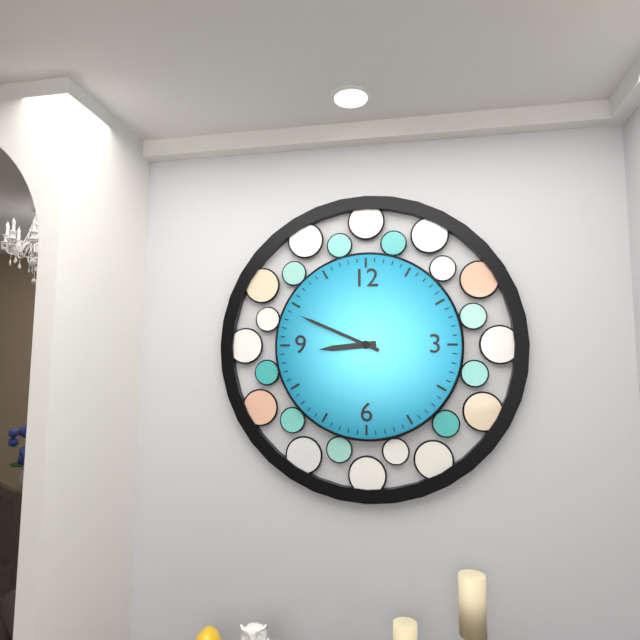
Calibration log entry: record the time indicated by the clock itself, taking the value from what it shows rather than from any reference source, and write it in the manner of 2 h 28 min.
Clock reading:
8 h 49 min
